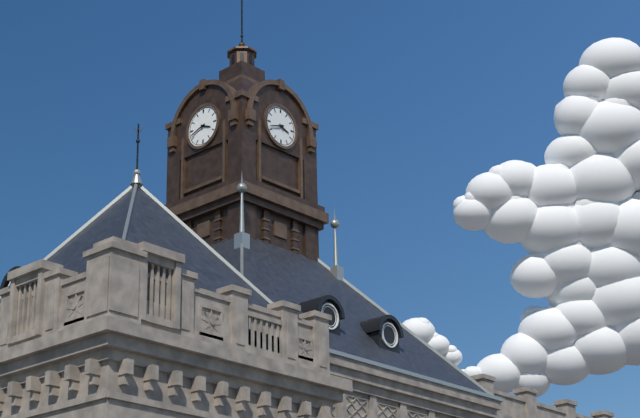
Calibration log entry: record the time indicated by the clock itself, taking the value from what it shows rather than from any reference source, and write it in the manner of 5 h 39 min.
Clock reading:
3 h 42 min
